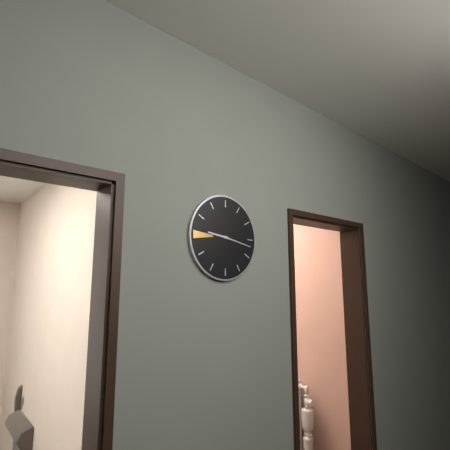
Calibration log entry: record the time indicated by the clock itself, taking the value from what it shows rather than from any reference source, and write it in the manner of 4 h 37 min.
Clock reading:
9 h 17 min
